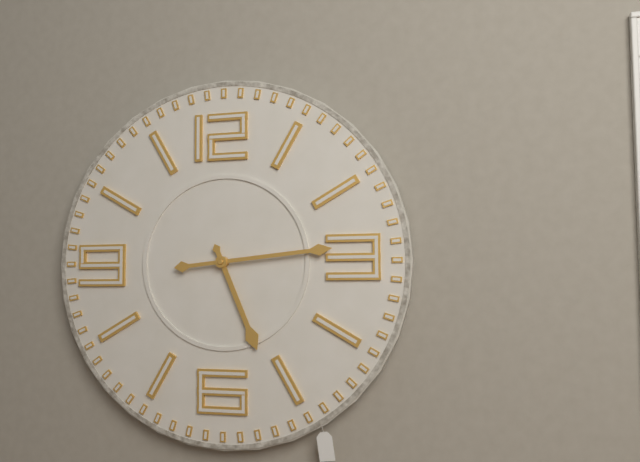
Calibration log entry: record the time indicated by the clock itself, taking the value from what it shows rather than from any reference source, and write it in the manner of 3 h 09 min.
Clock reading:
5 h 14 min
